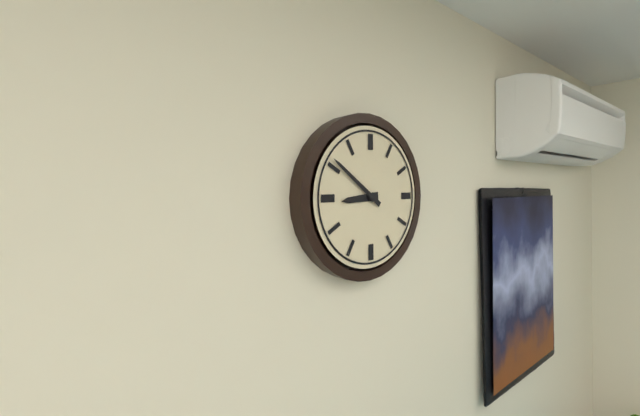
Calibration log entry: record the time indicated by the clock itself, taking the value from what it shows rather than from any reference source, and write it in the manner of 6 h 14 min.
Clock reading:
8 h 51 min
